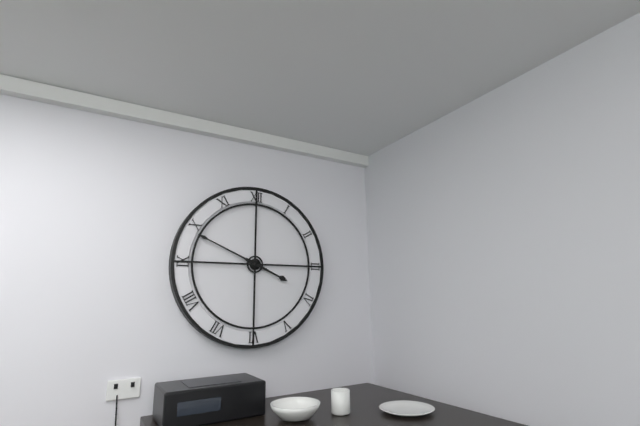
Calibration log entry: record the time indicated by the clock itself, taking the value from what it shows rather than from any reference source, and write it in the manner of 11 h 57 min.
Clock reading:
3 h 49 min
